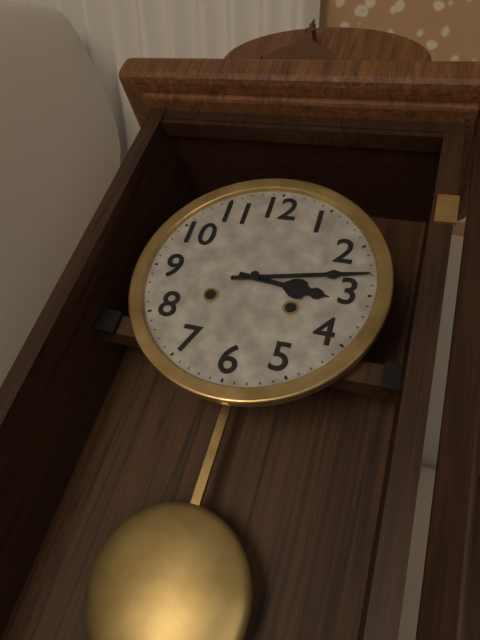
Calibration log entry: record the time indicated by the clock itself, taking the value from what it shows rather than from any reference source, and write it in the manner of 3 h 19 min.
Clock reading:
3 h 13 min
